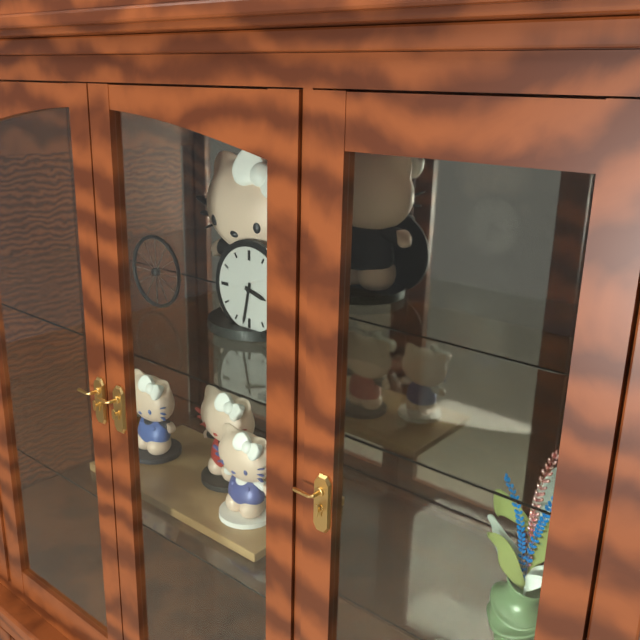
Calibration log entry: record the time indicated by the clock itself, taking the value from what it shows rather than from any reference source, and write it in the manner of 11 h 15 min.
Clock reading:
3 h 32 min
